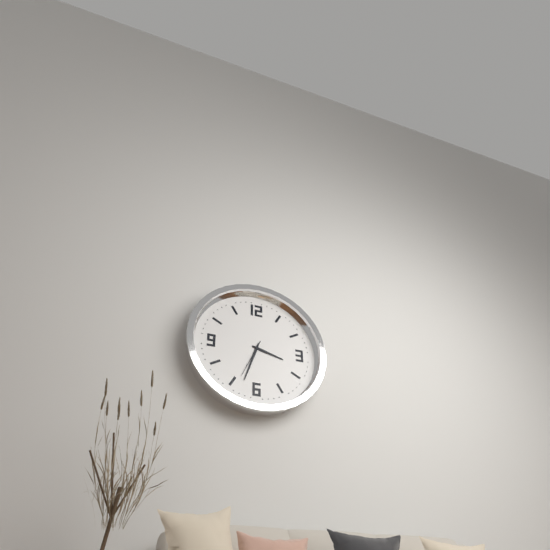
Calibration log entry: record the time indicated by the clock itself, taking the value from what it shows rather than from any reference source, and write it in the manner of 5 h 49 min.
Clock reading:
3 h 33 min
